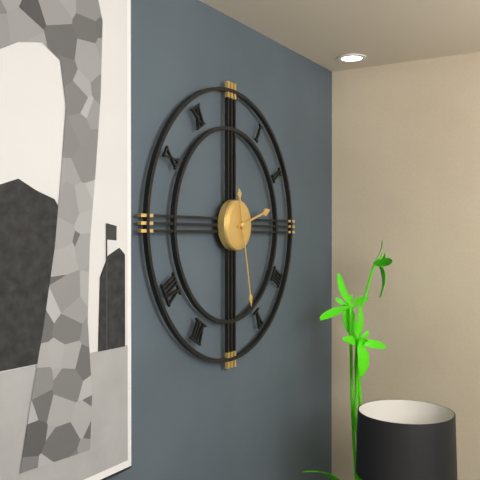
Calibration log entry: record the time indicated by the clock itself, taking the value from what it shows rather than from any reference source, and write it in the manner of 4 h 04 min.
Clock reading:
2 h 28 min
